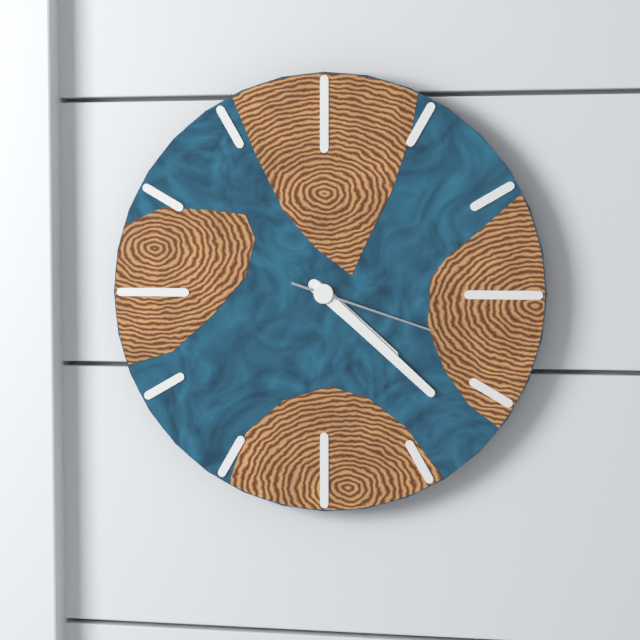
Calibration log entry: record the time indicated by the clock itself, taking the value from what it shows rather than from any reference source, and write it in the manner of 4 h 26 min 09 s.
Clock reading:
4 h 22 min 18 s
